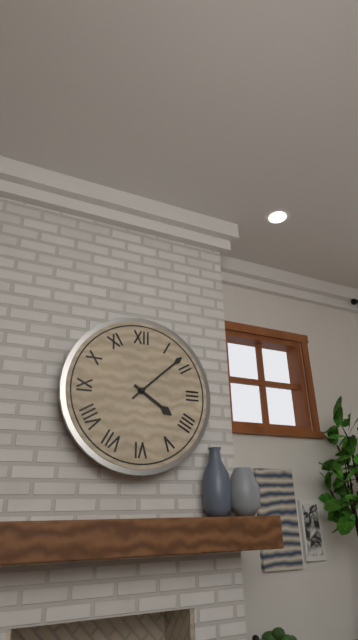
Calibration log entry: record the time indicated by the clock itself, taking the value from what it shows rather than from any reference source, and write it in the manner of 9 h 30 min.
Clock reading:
4 h 08 min
